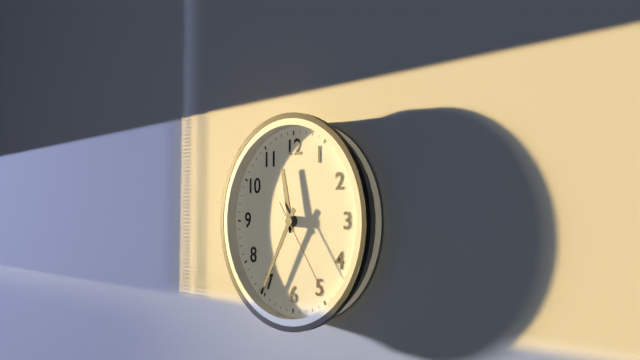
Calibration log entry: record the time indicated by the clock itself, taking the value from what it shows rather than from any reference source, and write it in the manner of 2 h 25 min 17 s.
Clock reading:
11 h 35 min 24 s
